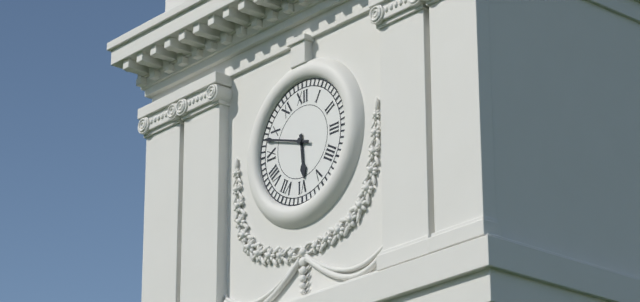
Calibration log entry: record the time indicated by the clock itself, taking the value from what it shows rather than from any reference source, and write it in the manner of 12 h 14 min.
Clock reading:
5 h 48 min
